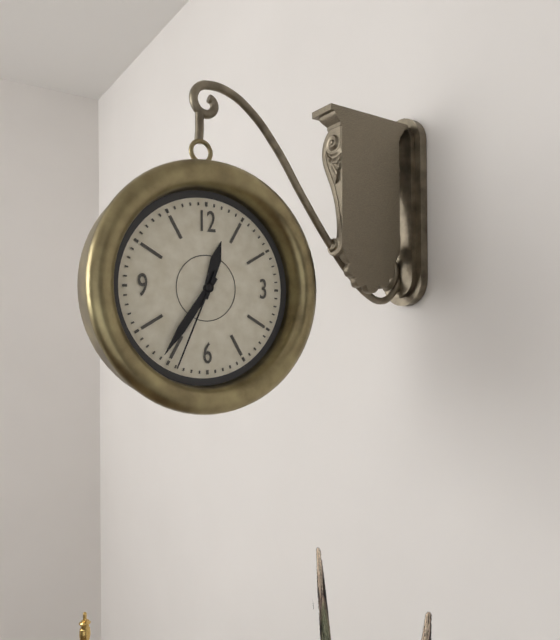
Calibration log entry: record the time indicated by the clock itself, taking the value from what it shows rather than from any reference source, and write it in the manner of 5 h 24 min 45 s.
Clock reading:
12 h 36 min 34 s
